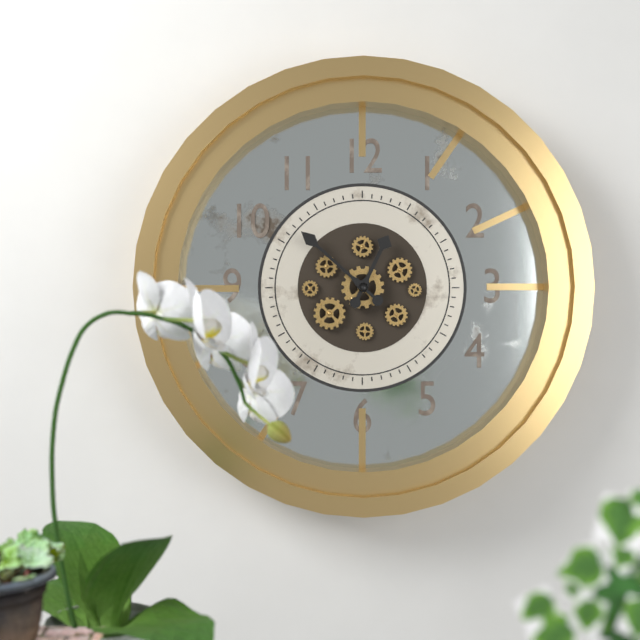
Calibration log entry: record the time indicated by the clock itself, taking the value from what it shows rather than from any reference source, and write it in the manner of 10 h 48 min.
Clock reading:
12 h 52 min
